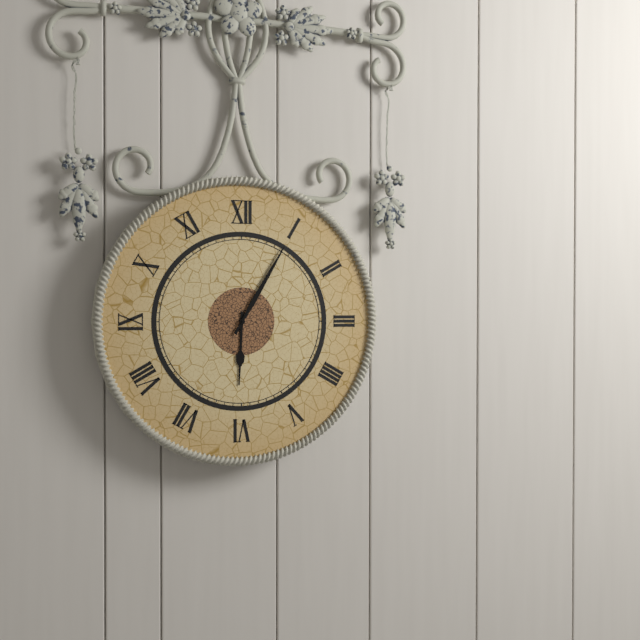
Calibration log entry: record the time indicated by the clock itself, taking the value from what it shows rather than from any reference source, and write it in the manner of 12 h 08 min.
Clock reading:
6 h 05 min
